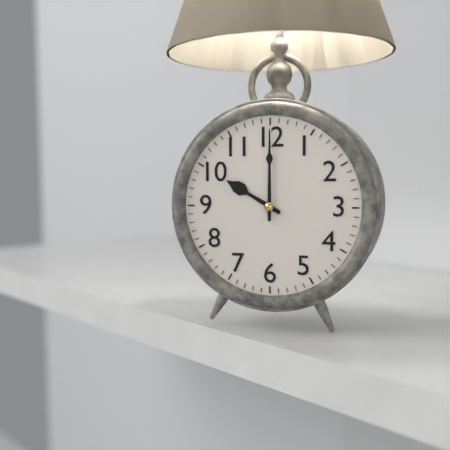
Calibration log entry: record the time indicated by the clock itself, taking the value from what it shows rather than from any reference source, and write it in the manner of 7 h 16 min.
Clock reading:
10 h 00 min
